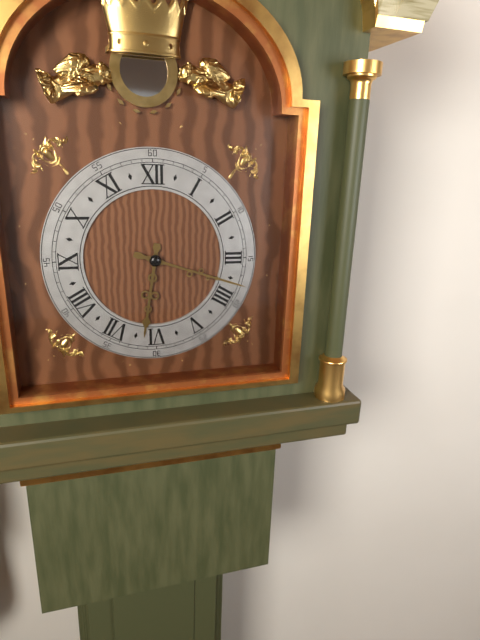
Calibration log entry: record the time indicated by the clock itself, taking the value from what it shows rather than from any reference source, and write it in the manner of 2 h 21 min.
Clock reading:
6 h 18 min
